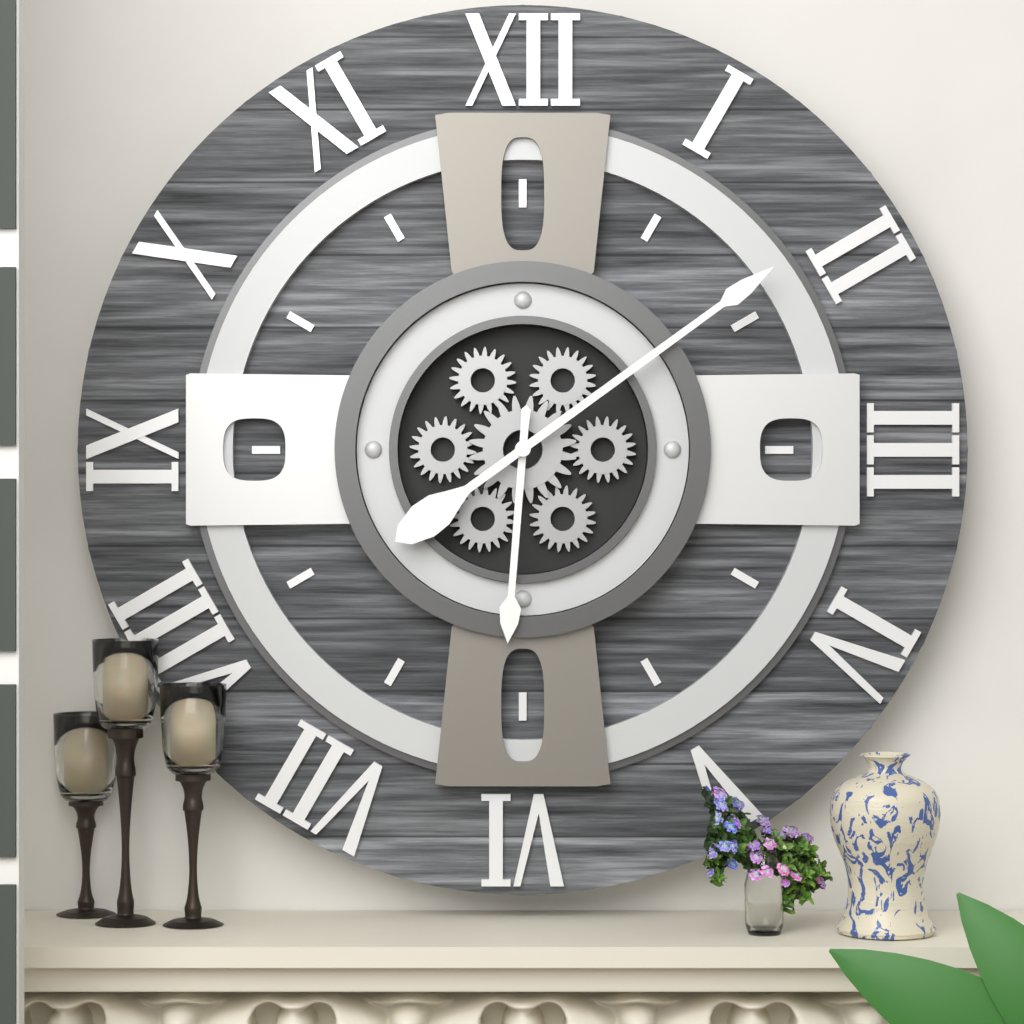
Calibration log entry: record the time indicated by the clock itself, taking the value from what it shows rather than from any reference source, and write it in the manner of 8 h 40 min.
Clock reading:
6 h 09 min
